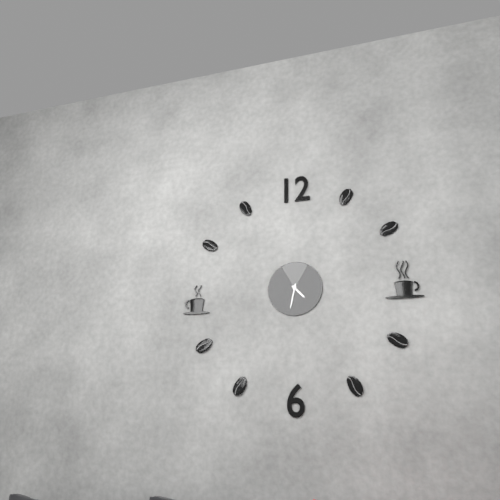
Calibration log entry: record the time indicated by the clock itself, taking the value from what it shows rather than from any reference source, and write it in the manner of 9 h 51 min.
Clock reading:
4 h 32 min
